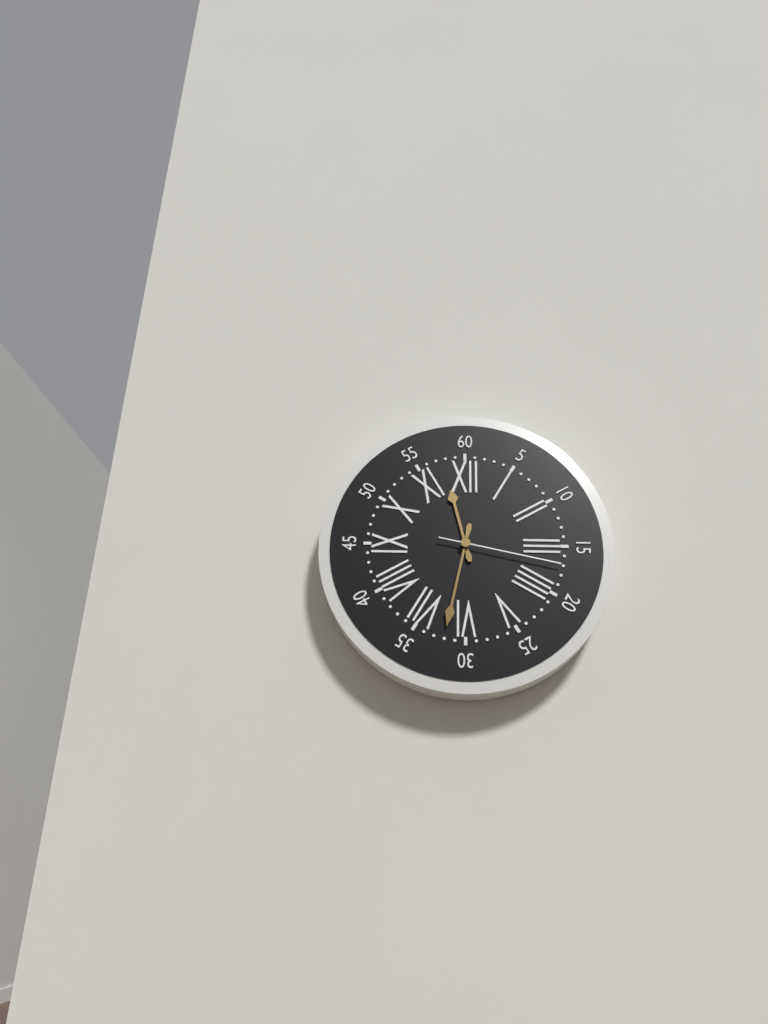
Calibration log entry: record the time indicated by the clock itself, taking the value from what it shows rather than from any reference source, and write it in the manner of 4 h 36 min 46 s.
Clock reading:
11 h 32 min 17 s
